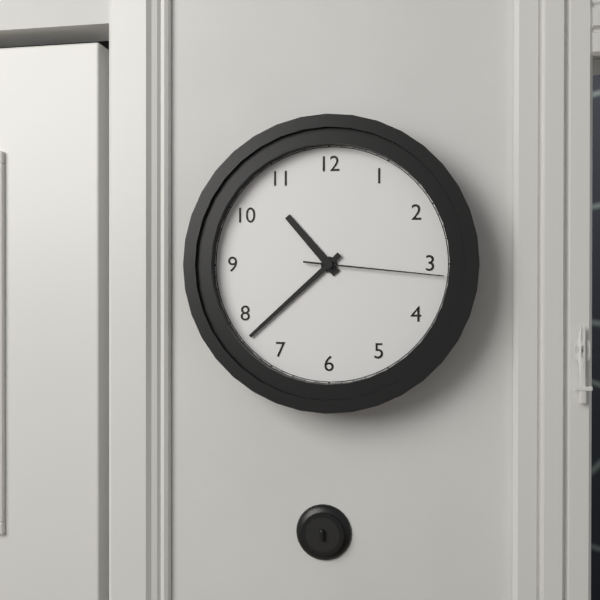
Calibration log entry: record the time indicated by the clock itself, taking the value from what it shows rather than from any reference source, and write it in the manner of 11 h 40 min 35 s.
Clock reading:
10 h 38 min 16 s
